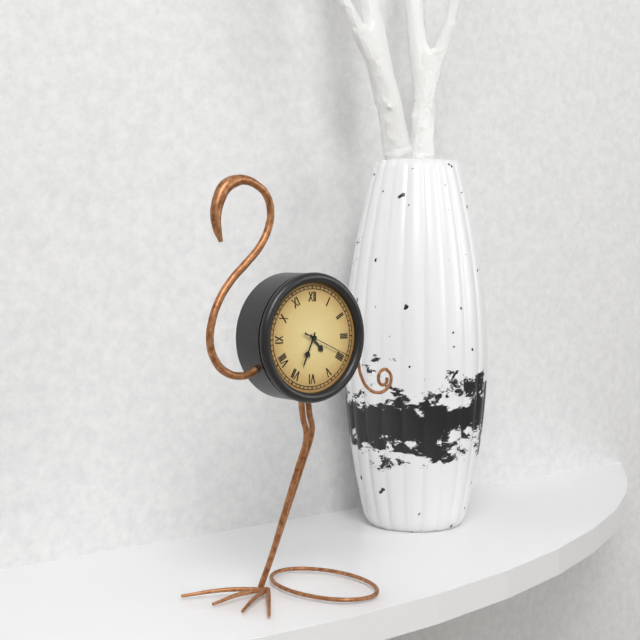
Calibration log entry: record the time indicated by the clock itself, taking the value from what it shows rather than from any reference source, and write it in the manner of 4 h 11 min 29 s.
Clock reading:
4 h 34 min 19 s
